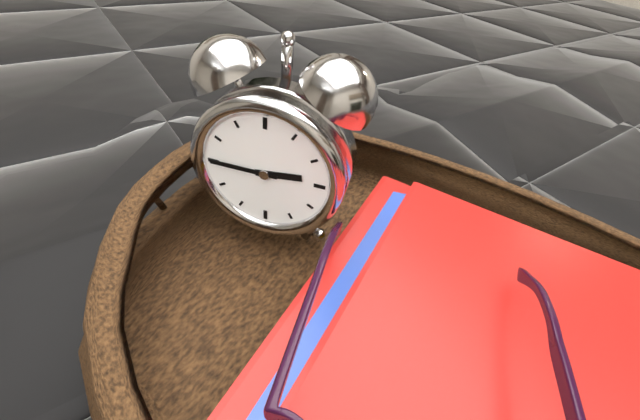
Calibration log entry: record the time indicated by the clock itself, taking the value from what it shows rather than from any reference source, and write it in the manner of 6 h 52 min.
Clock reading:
2 h 45 min
